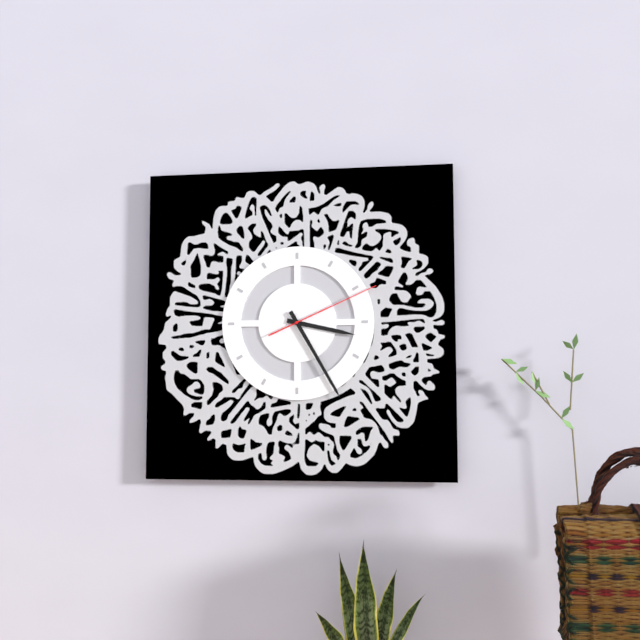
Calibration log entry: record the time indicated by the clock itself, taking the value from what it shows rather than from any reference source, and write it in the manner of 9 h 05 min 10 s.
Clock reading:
3 h 25 min 11 s
